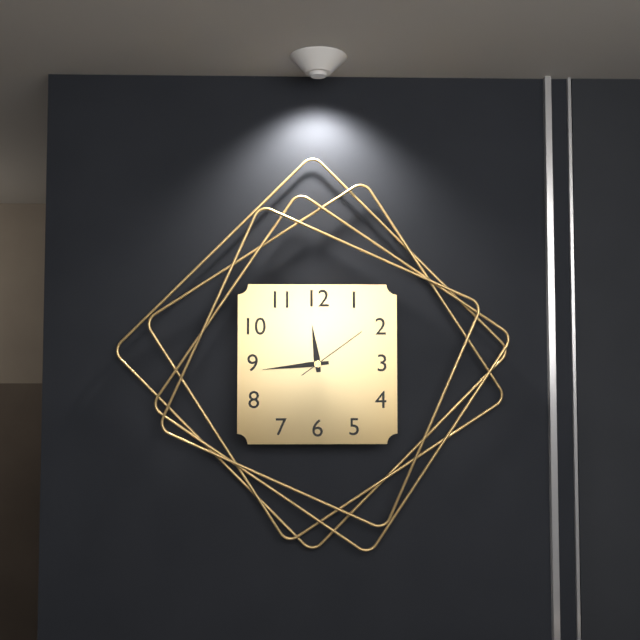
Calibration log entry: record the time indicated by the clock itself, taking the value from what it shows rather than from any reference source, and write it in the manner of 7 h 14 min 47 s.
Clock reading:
11 h 44 min 09 s
